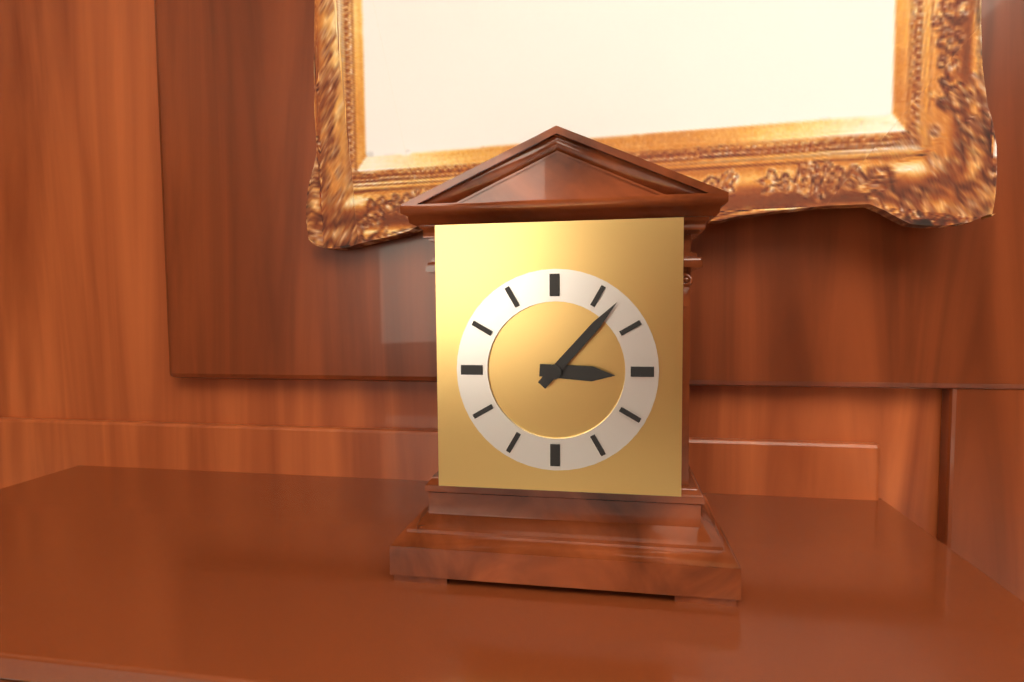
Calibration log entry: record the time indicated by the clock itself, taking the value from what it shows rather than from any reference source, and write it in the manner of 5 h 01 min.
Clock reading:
3 h 07 min
